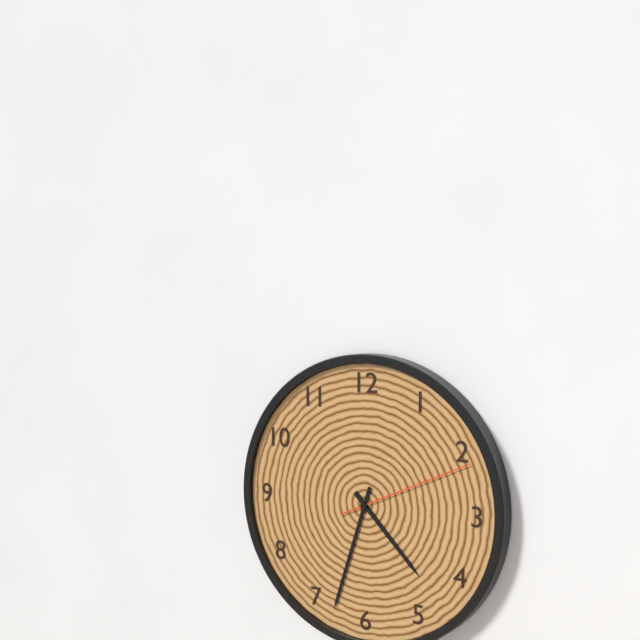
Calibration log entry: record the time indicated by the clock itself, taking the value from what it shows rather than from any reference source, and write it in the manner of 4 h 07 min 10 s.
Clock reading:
4 h 33 min 11 s
